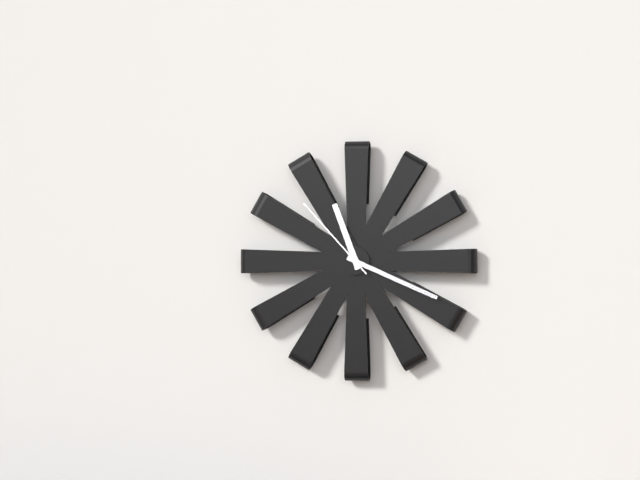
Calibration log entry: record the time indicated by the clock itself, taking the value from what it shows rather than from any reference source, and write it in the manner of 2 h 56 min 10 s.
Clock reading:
11 h 19 min 53 s
